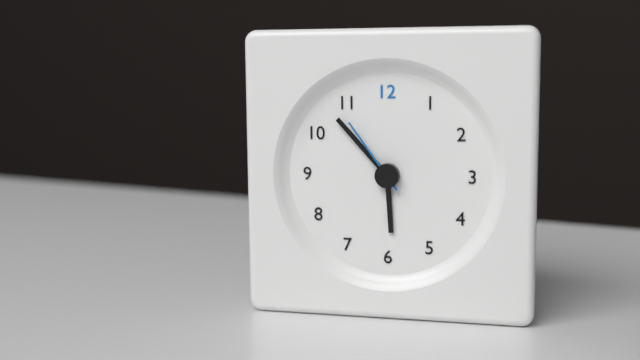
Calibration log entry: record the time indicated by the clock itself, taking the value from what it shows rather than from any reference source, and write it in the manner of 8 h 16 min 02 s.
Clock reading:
5 h 53 min 54 s
